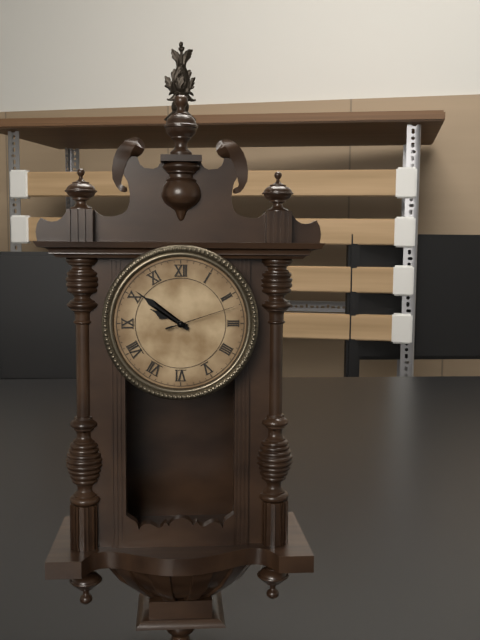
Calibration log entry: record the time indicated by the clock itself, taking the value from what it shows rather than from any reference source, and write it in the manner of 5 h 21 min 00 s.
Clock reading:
9 h 51 min 12 s
